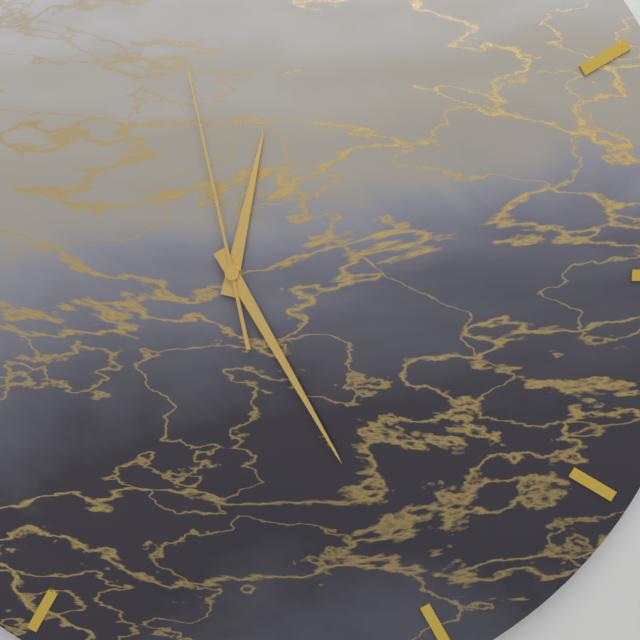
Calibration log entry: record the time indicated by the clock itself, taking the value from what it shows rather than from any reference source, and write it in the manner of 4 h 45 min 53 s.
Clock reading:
12 h 25 min 58 s
